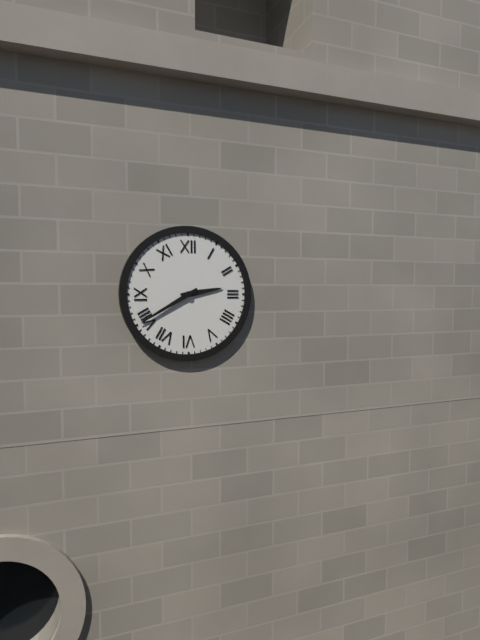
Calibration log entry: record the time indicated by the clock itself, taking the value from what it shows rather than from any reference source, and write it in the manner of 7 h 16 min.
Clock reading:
2 h 40 min
